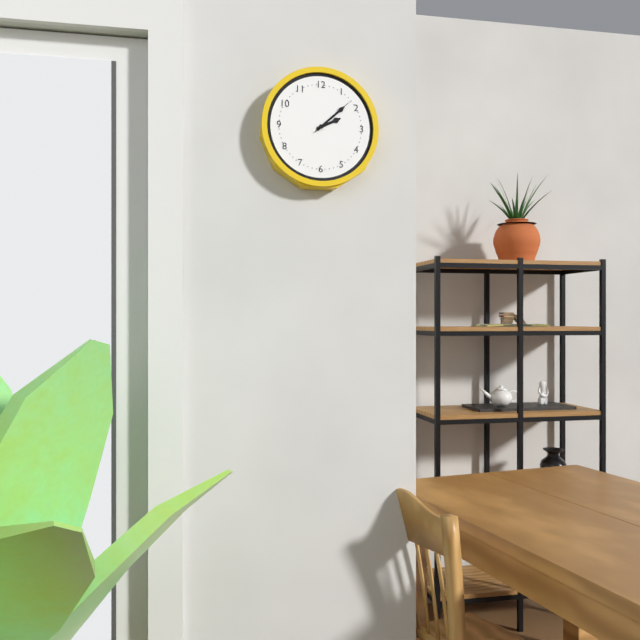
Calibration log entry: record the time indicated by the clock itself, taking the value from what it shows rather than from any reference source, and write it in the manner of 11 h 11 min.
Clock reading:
2 h 08 min
